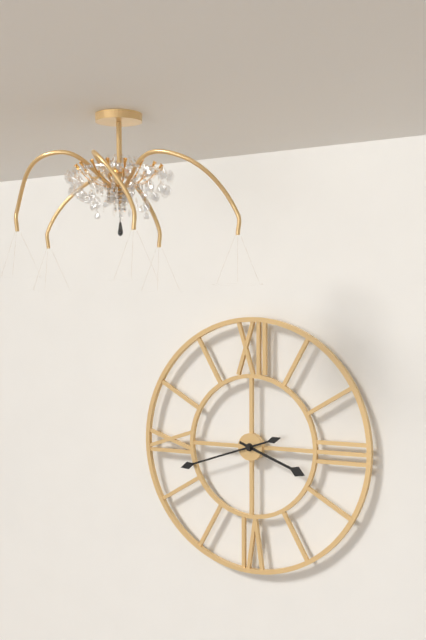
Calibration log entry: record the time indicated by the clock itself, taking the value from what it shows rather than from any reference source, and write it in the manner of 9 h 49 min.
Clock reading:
3 h 42 min
